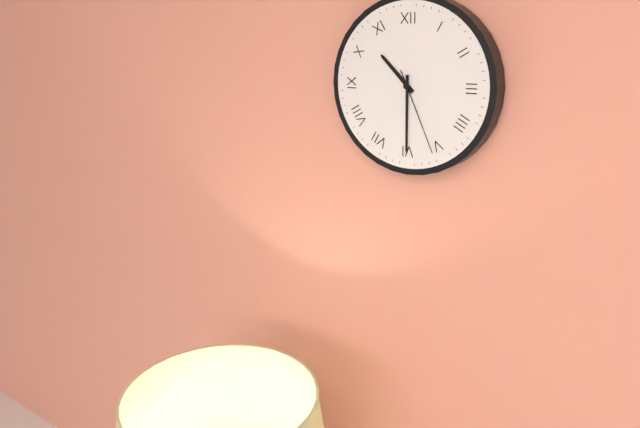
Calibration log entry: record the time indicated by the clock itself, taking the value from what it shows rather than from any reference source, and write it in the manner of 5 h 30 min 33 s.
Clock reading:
10 h 30 min 26 s
